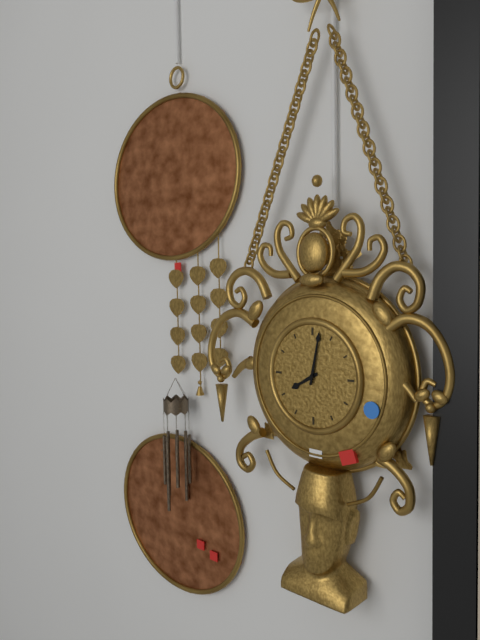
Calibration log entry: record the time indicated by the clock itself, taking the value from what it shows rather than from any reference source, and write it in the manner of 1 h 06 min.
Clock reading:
8 h 02 min
